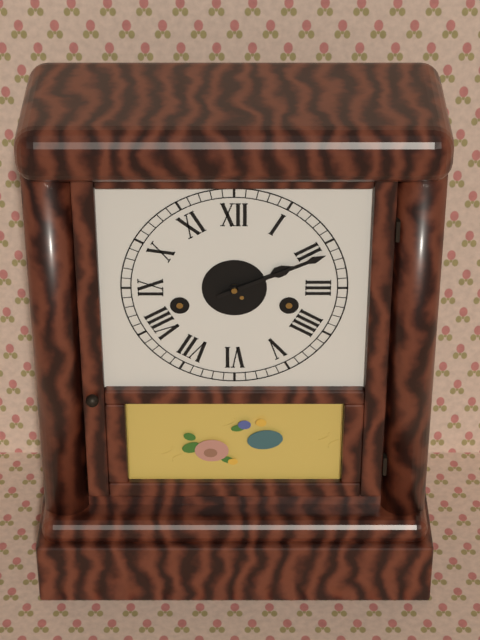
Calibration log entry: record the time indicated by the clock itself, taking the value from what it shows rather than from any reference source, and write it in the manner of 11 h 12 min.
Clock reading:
2 h 11 min
